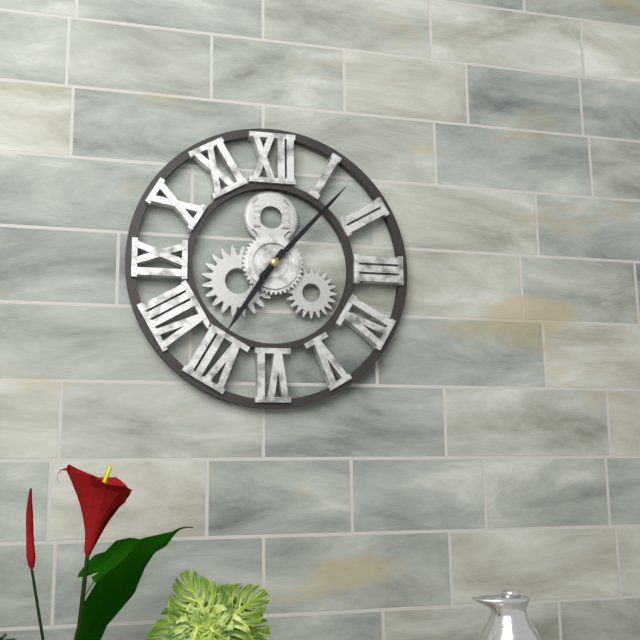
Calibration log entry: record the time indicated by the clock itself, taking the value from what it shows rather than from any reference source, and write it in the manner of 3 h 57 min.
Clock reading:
7 h 07 min
